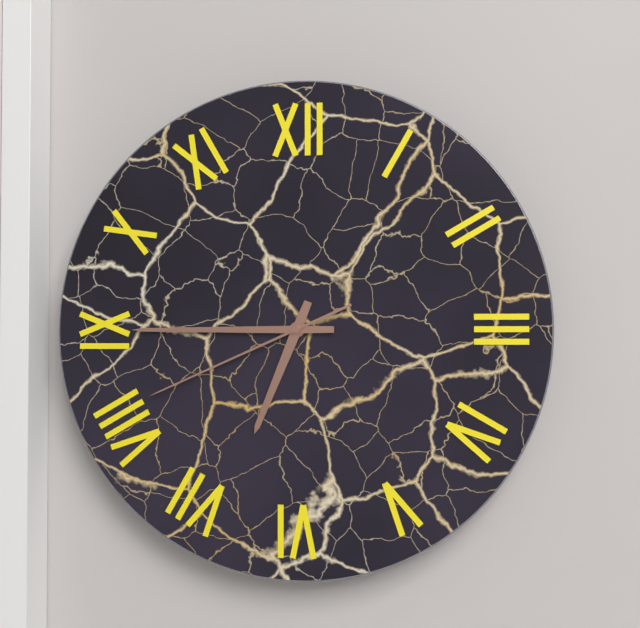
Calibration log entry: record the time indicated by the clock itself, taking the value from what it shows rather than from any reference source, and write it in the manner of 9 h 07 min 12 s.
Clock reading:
6 h 45 min 41 s
